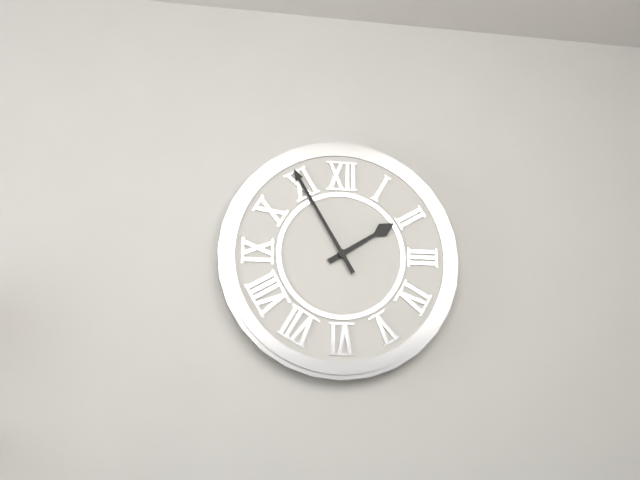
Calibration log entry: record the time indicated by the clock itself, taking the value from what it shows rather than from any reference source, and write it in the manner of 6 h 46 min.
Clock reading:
1 h 55 min
